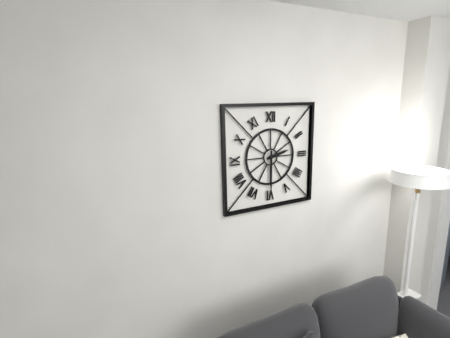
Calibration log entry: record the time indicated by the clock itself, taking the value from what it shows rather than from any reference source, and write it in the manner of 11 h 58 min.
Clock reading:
2 h 30 min
